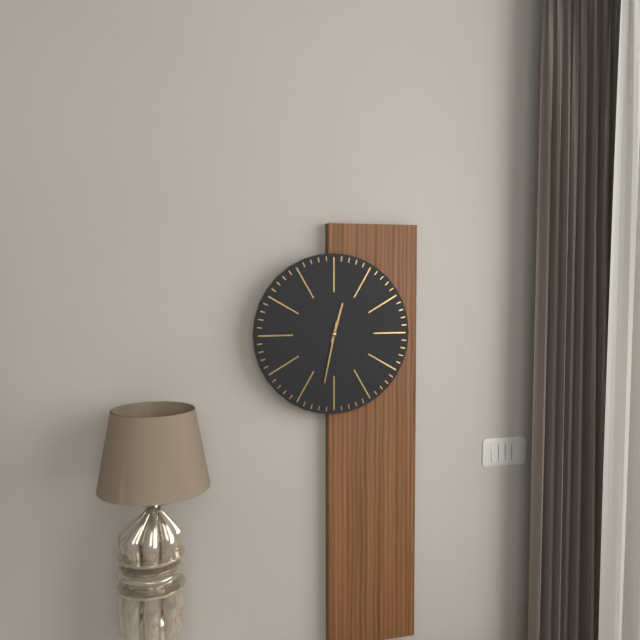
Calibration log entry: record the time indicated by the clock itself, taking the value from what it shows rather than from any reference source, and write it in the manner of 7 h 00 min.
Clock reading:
12 h 32 min
